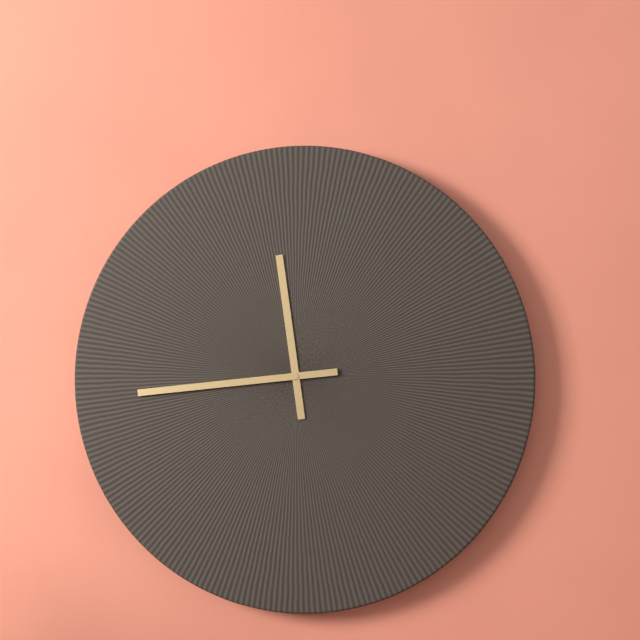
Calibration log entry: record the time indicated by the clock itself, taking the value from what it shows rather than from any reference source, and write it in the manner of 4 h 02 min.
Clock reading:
11 h 44 min
